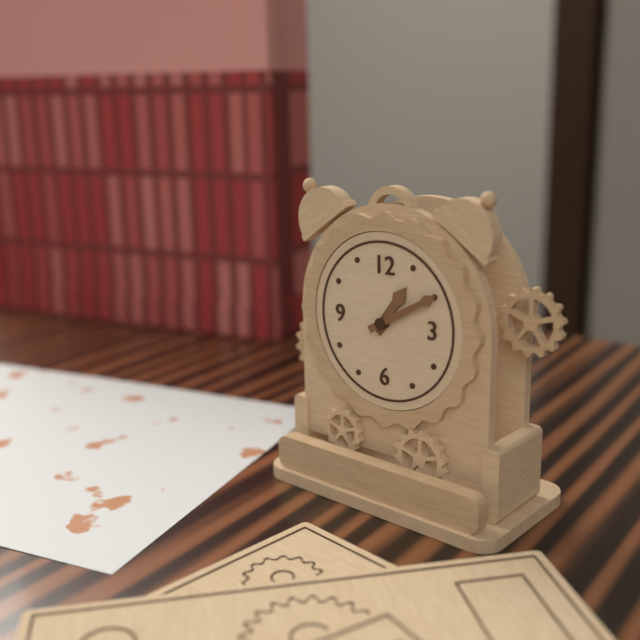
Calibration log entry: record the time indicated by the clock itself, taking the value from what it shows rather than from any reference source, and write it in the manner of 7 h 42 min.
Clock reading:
1 h 10 min
